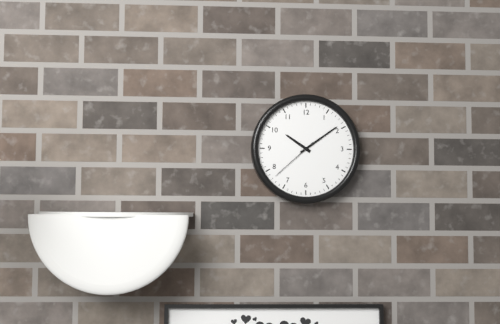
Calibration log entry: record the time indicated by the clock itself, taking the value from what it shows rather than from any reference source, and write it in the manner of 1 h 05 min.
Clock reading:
10 h 09 min
